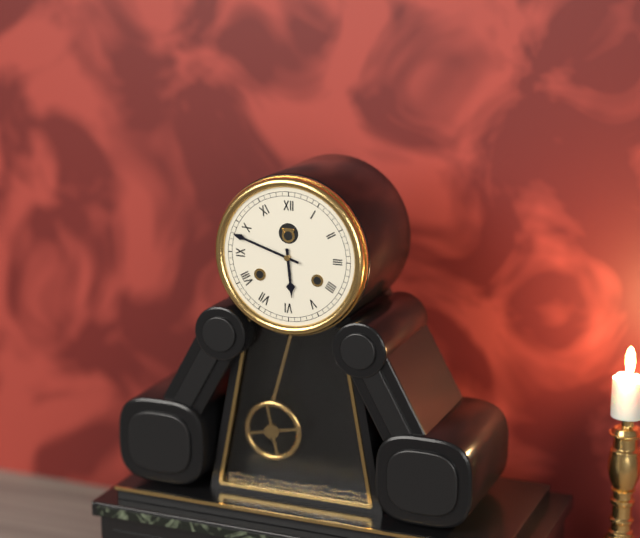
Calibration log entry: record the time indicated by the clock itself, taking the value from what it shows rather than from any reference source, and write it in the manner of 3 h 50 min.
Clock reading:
5 h 48 min
